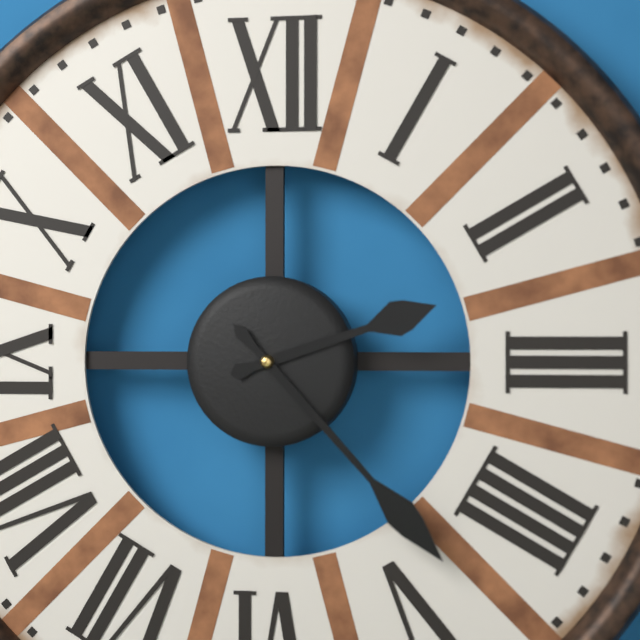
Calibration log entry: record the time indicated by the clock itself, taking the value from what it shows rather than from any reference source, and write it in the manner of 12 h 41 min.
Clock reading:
2 h 23 min
